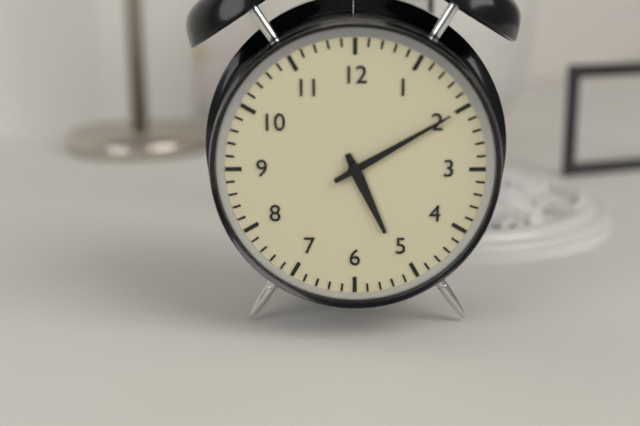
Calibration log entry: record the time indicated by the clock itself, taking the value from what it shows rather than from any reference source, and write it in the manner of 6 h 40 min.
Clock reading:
5 h 10 min
